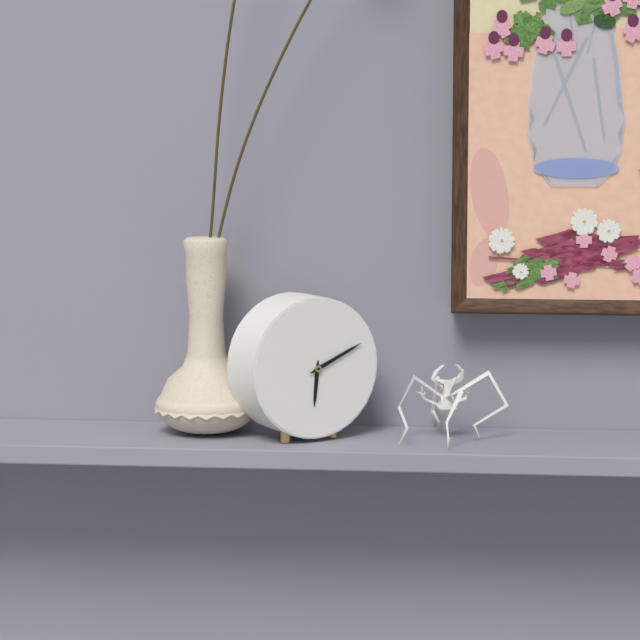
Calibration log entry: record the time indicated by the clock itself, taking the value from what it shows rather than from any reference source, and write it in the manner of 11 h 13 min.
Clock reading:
6 h 11 min
